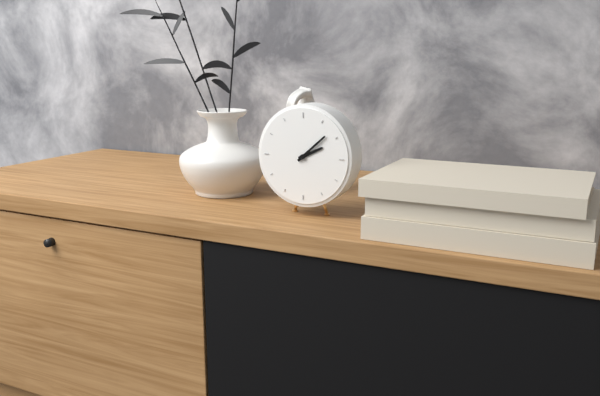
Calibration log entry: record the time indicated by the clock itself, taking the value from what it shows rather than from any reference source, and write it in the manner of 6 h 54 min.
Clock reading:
2 h 08 min
